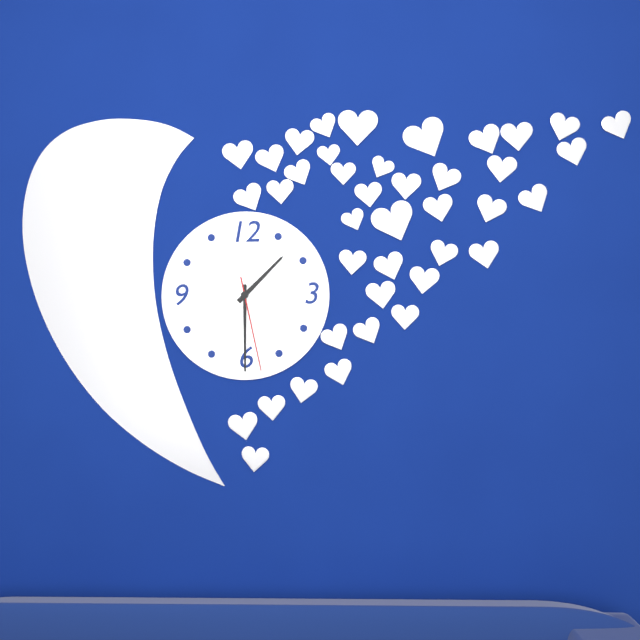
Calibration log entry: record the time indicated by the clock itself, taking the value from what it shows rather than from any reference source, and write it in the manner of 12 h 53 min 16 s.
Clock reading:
1 h 30 min 28 s
